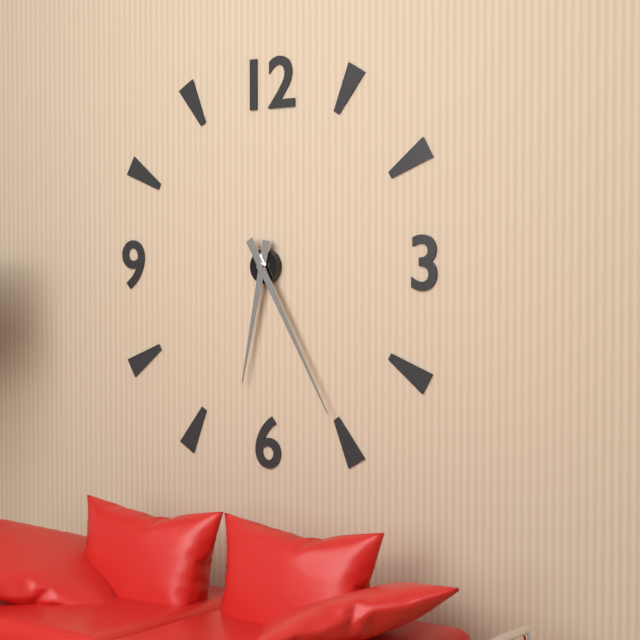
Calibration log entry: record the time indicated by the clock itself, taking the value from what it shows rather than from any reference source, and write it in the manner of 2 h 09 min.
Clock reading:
6 h 25 min
